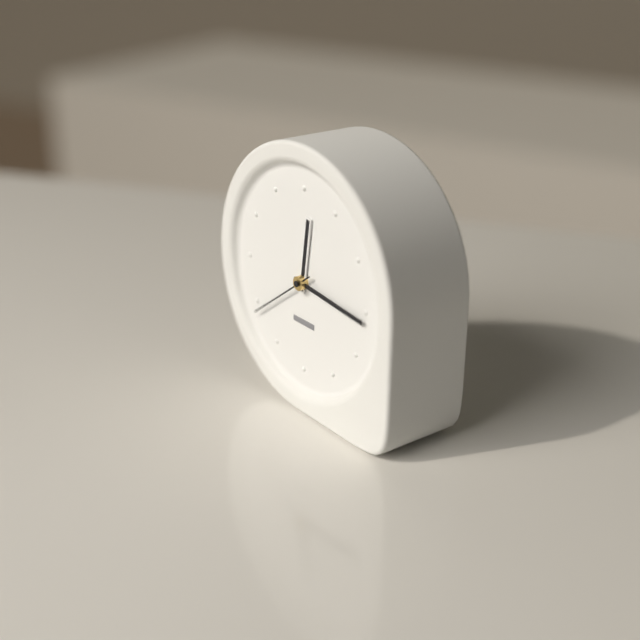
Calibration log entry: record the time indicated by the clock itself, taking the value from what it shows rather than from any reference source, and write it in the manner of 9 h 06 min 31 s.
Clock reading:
12 h 16 min 39 s
